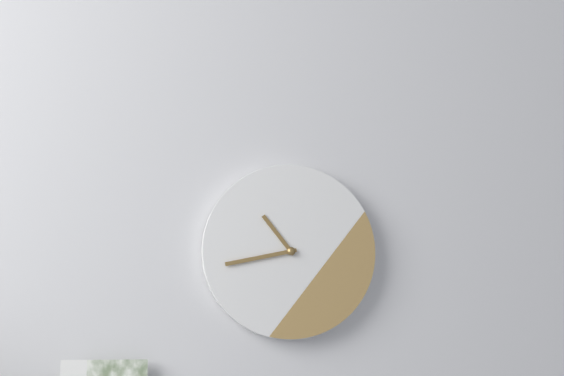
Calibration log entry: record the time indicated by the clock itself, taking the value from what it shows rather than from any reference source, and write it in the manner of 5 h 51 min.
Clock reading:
10 h 43 min
